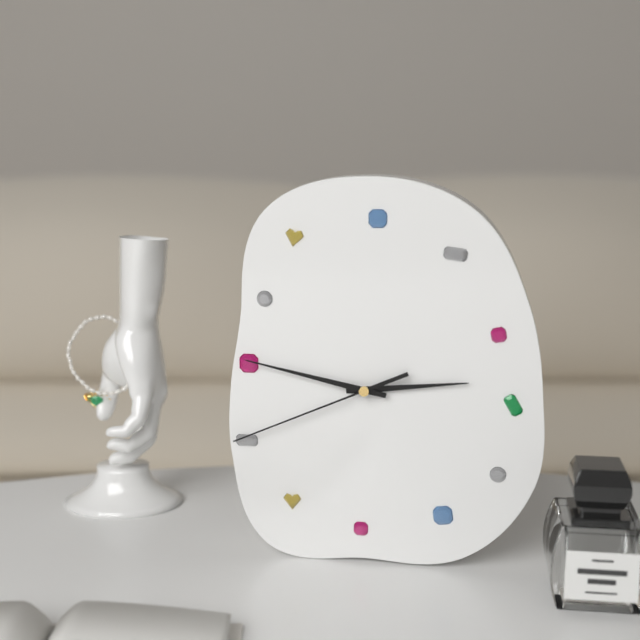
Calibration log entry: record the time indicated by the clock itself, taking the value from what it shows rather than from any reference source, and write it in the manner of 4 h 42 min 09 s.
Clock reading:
2 h 47 min 41 s
